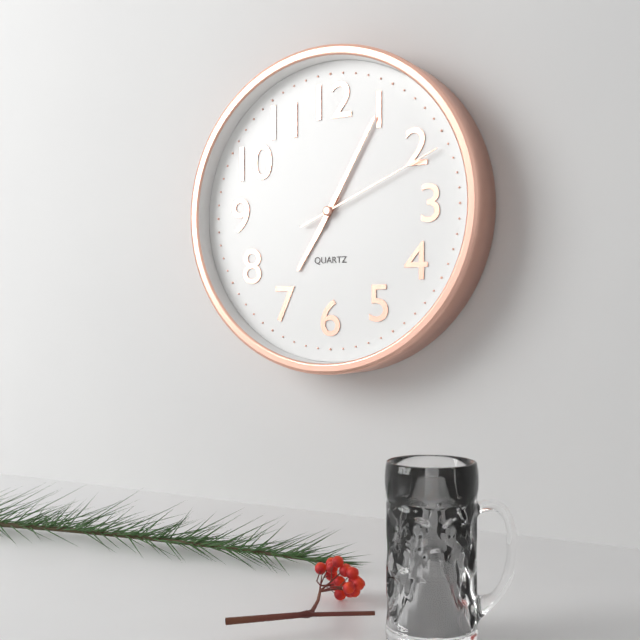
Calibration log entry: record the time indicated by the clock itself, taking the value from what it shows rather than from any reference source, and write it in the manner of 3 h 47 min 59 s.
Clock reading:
7 h 05 min 11 s
